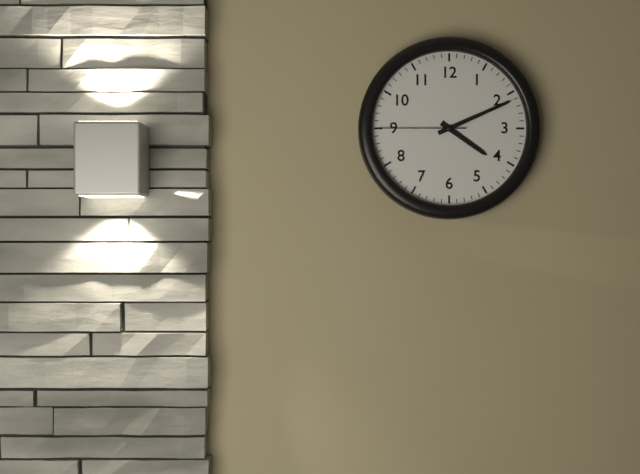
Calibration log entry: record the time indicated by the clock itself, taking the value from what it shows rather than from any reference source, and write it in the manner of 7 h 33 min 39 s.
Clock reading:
4 h 11 min 45 s
